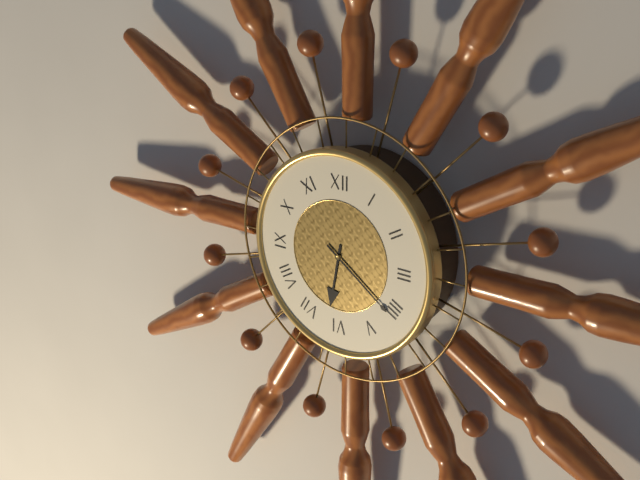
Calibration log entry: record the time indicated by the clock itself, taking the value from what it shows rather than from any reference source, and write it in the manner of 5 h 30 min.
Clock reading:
6 h 21 min
